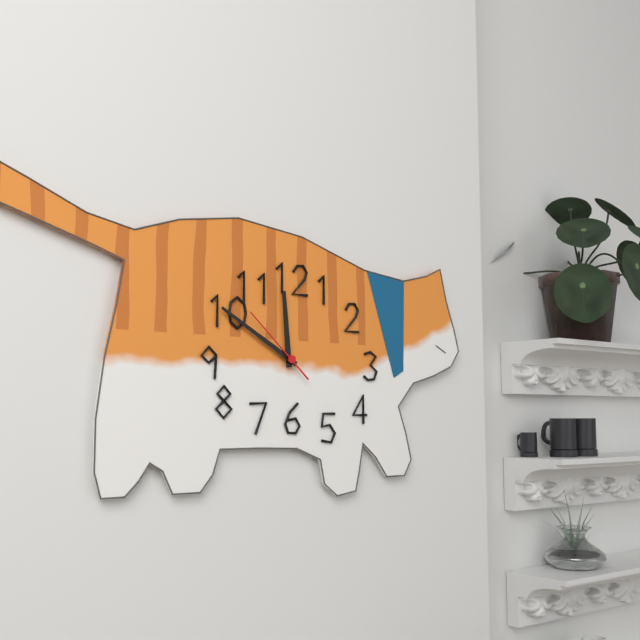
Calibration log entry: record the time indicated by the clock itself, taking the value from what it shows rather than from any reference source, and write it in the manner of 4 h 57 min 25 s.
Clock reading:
11 h 50 min 52 s
